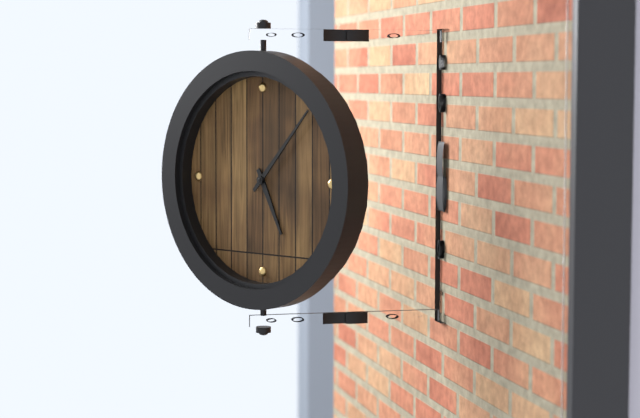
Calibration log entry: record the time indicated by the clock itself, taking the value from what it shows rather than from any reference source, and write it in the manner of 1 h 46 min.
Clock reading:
5 h 07 min
